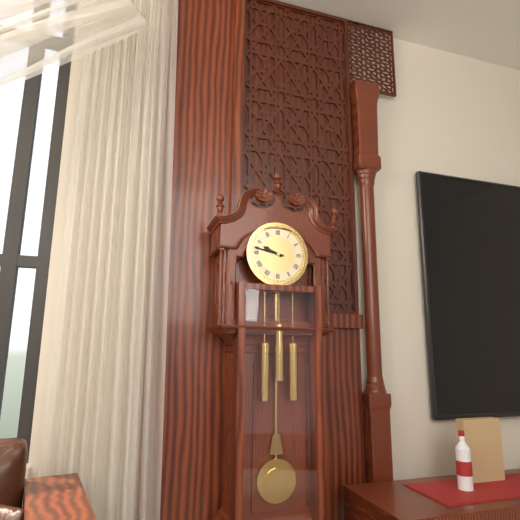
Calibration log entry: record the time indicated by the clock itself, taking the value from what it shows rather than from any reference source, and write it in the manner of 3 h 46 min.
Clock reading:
9 h 47 min
